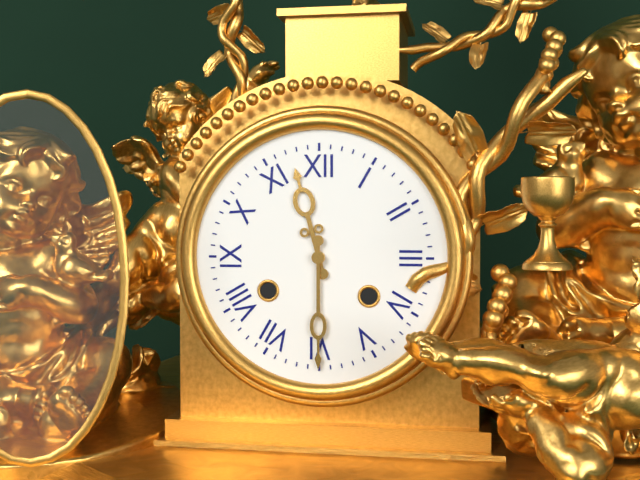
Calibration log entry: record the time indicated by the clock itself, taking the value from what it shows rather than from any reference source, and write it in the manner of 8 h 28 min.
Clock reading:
11 h 30 min
